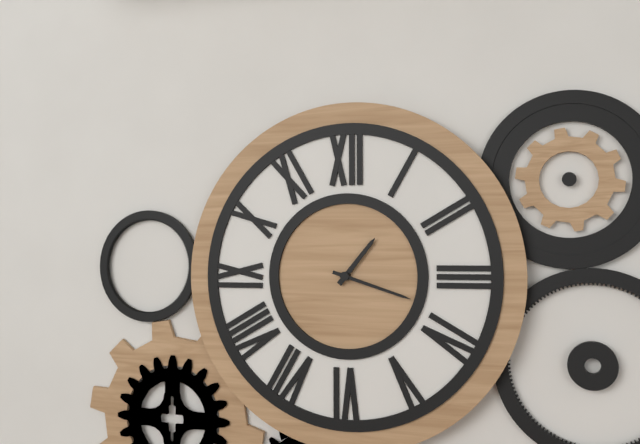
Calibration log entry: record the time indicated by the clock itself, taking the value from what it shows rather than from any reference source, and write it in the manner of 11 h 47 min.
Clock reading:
1 h 18 min
